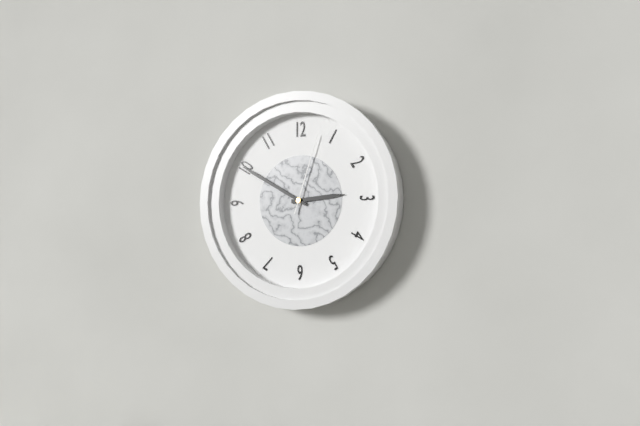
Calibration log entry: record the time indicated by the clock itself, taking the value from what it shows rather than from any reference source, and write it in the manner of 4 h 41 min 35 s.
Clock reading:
2 h 50 min 03 s
